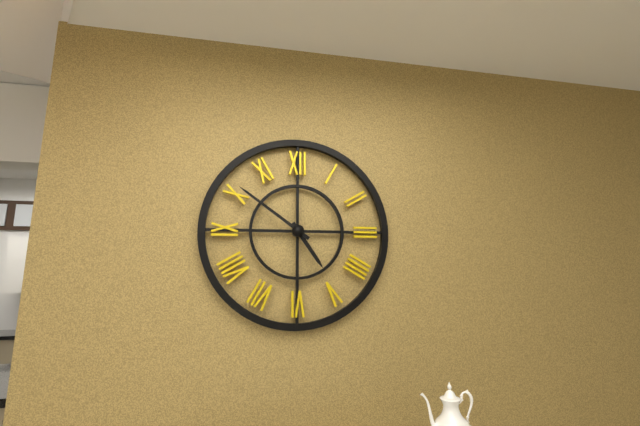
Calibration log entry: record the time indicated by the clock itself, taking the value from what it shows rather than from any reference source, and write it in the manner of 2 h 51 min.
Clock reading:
4 h 51 min
